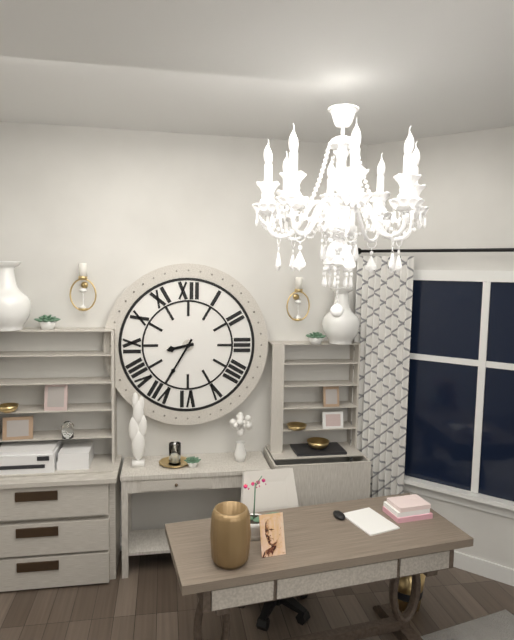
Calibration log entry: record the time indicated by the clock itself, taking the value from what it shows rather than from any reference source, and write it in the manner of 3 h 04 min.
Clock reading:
8 h 35 min
